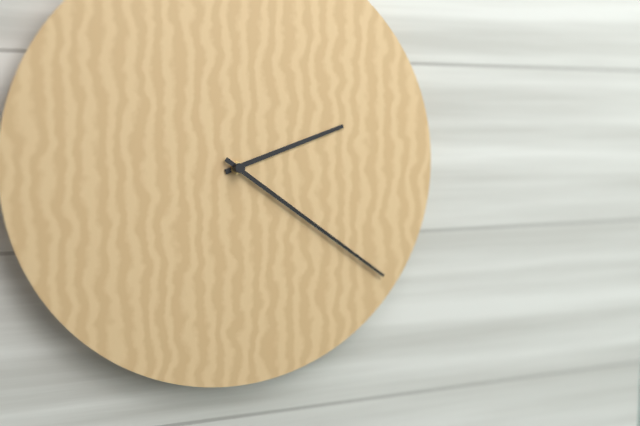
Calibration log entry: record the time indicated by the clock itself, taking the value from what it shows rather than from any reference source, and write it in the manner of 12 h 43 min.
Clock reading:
2 h 21 min
